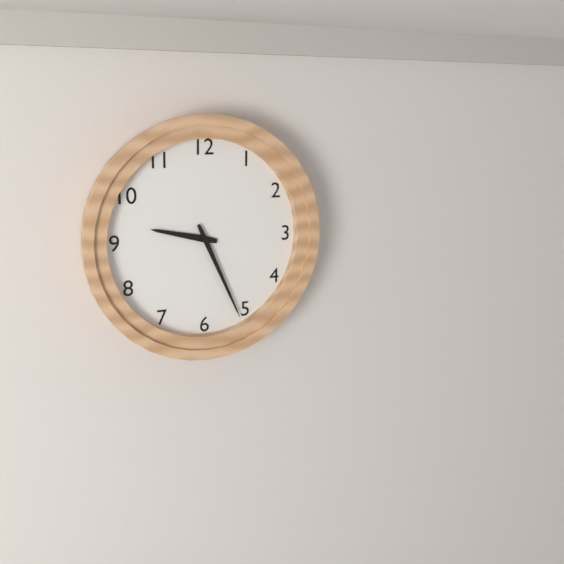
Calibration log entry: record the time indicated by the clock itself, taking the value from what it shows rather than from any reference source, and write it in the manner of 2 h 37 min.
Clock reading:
9 h 26 min
